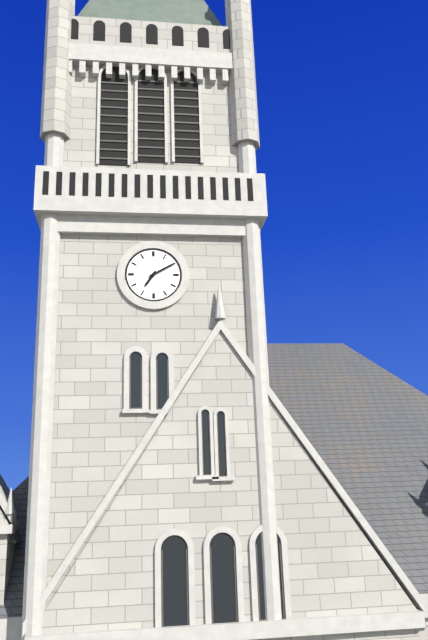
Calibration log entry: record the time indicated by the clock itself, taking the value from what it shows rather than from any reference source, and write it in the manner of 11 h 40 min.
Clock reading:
7 h 10 min
